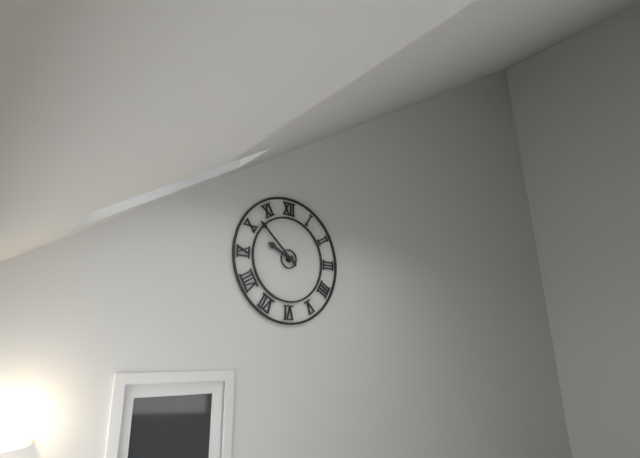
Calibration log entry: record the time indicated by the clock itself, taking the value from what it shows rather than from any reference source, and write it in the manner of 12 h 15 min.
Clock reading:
9 h 52 min
